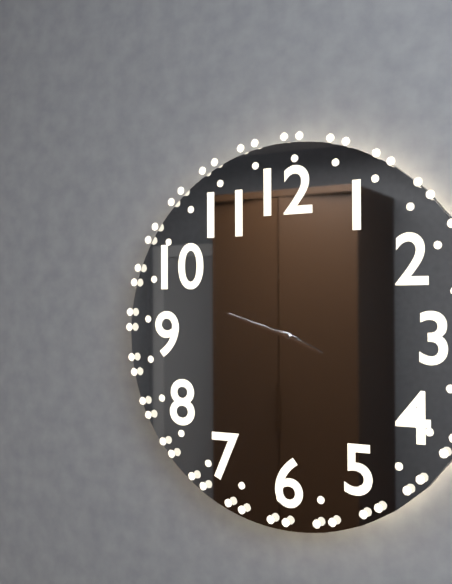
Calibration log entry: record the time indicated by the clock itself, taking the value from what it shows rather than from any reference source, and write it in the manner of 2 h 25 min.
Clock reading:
3 h 48 min
